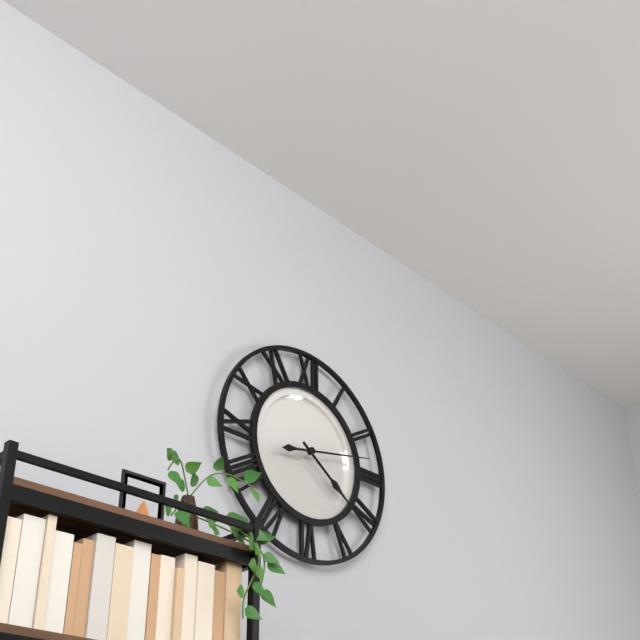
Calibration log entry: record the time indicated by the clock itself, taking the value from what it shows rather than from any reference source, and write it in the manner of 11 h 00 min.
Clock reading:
4 h 13 min
